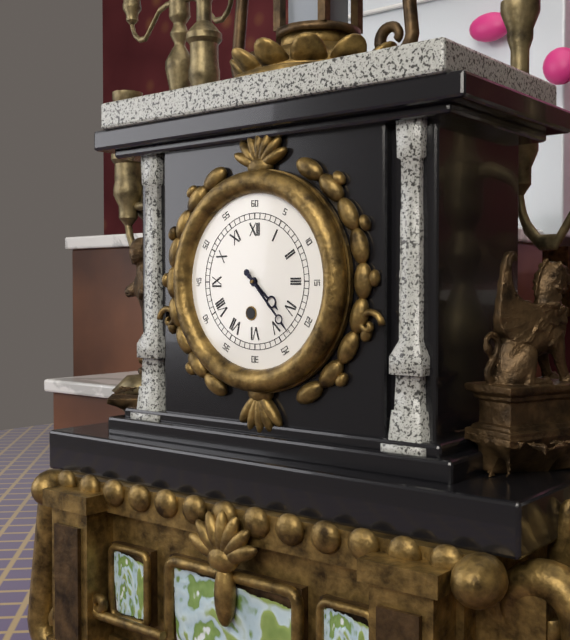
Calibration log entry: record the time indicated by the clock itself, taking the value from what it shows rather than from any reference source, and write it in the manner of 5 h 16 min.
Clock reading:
4 h 23 min
